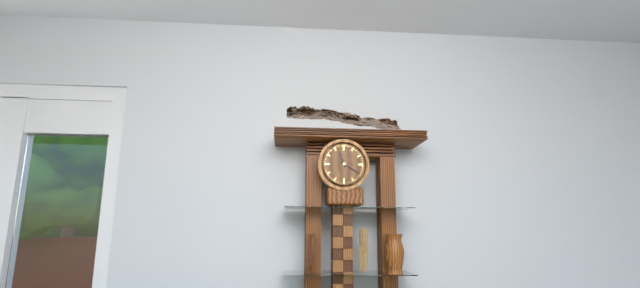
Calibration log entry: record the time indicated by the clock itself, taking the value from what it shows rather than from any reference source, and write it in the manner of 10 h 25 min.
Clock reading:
11 h 20 min
